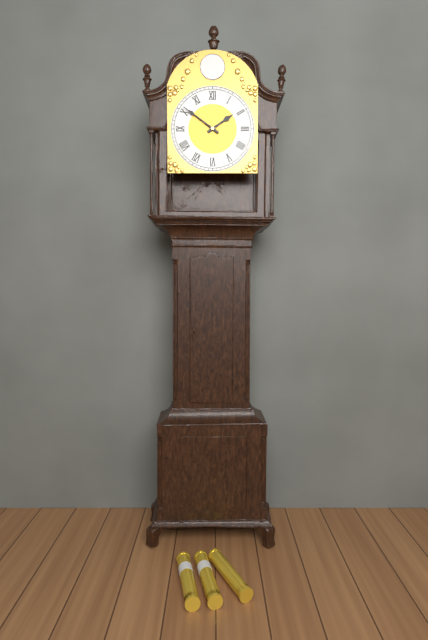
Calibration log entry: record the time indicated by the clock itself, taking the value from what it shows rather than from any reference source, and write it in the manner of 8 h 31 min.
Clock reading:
1 h 51 min
